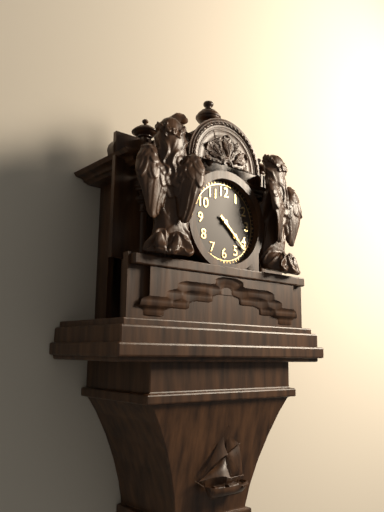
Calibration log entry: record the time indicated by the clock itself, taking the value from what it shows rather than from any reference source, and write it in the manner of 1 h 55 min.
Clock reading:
4 h 22 min
